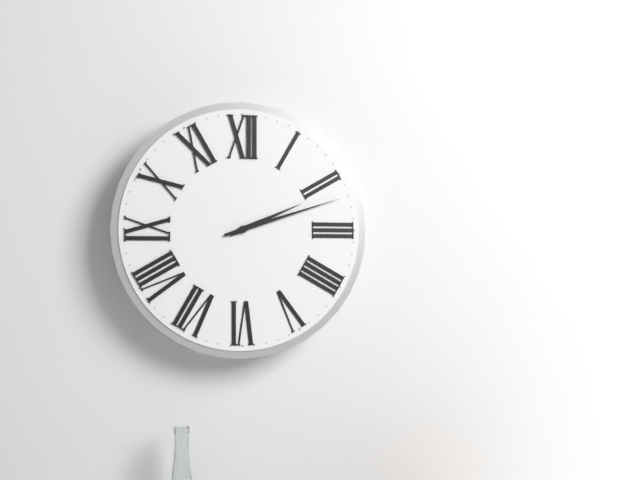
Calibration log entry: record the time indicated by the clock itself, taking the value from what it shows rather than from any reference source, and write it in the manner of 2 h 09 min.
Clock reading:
2 h 12 min
